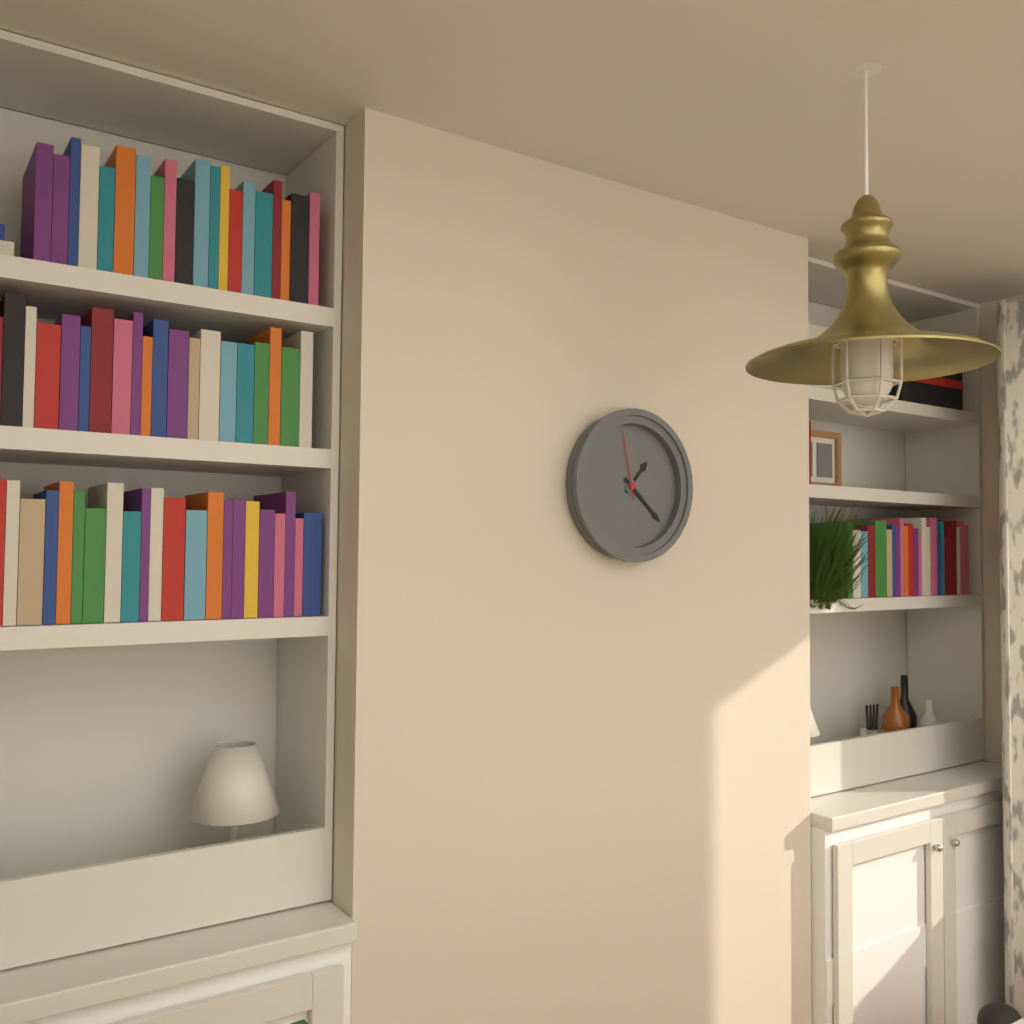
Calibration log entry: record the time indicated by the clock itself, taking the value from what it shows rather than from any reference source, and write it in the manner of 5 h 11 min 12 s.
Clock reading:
1 h 22 min 58 s
